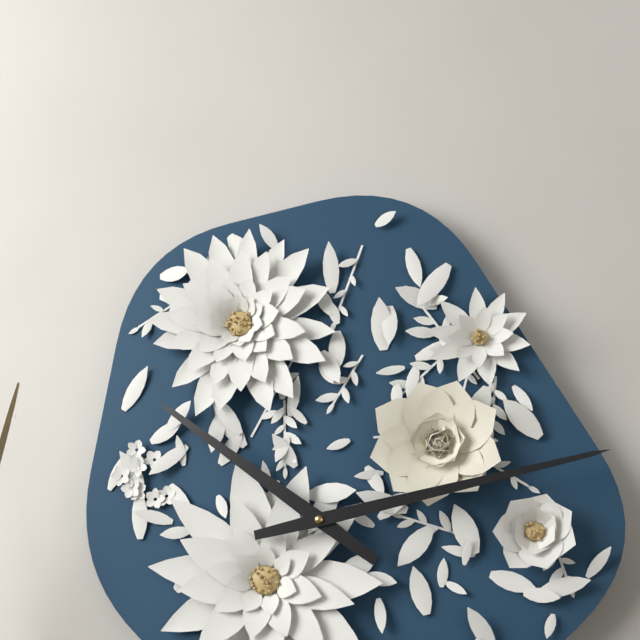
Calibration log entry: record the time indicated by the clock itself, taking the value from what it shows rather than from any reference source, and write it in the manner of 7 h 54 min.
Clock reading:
10 h 13 min
